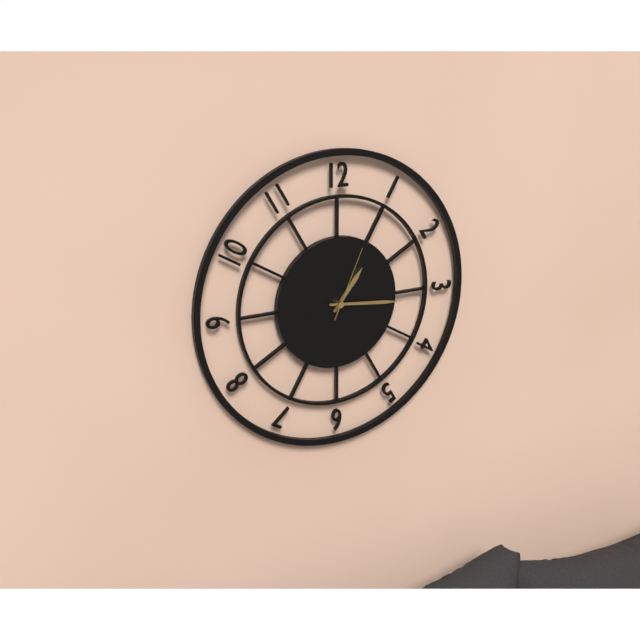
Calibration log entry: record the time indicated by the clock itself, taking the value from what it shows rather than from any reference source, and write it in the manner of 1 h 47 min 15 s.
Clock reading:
1 h 16 min 04 s
